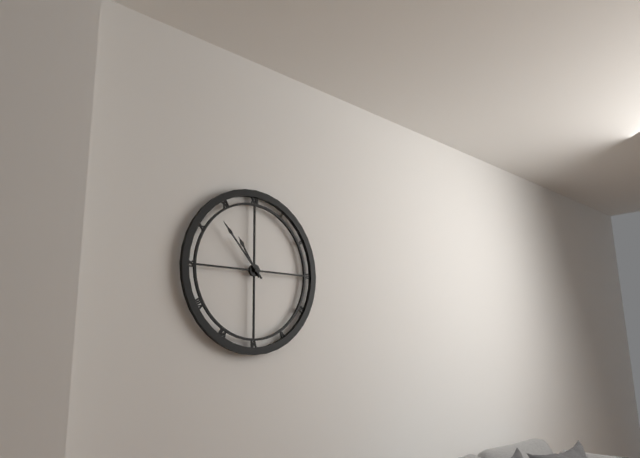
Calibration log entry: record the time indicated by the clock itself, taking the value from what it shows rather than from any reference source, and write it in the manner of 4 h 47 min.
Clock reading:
10 h 53 min
